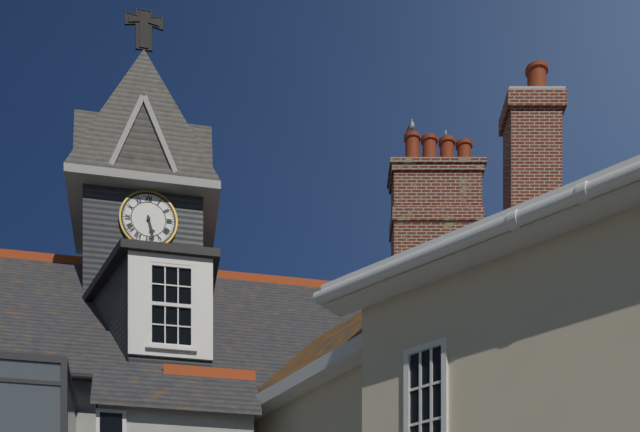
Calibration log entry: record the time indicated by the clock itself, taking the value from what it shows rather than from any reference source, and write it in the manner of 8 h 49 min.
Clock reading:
5 h 28 min
